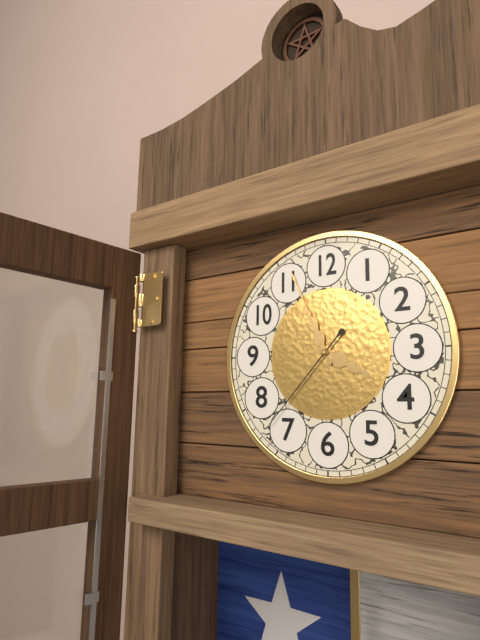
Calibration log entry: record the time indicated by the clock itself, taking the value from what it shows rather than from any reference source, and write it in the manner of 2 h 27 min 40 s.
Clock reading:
3 h 56 min 37 s
